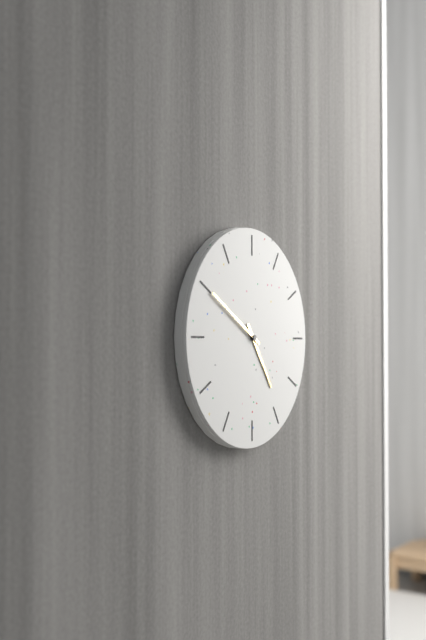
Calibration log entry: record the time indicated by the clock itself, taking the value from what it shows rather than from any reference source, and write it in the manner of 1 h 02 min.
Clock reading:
4 h 50 min
